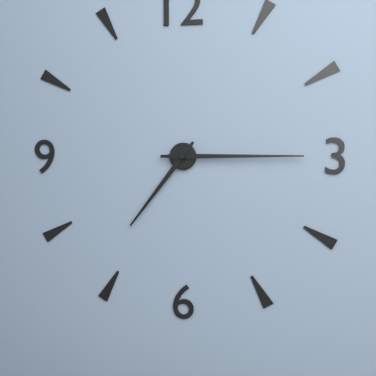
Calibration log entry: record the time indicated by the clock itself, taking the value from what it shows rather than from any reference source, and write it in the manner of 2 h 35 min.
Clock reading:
7 h 15 min
